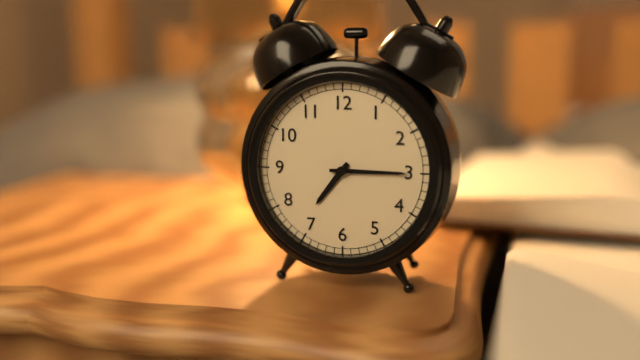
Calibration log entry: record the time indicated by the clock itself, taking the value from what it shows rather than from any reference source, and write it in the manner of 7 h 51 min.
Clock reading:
7 h 15 min
